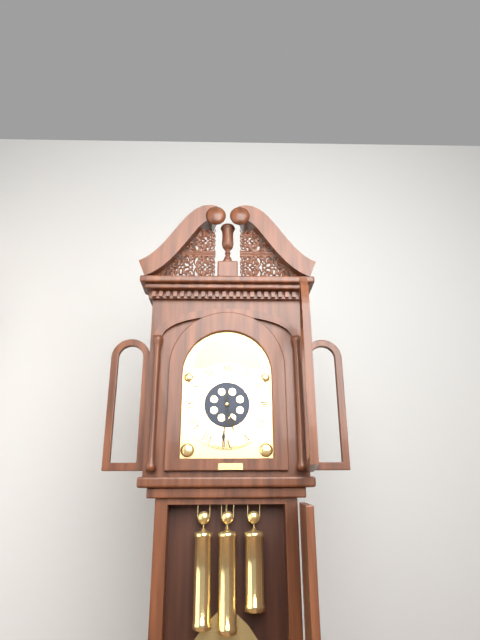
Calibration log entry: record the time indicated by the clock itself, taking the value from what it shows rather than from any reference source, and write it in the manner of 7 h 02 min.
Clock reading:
5 h 31 min
